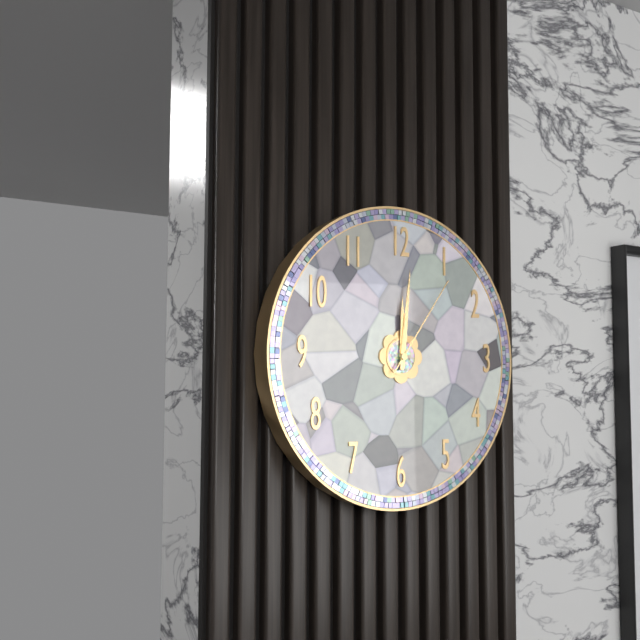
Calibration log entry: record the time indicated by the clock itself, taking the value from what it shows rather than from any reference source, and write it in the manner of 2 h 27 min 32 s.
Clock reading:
12 h 01 min 06 s
